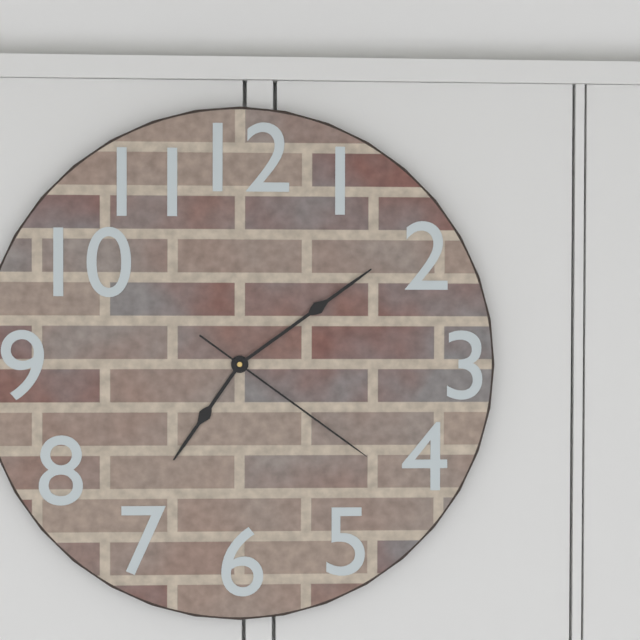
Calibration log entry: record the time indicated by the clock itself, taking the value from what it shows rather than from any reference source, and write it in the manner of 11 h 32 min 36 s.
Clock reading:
7 h 09 min 21 s
